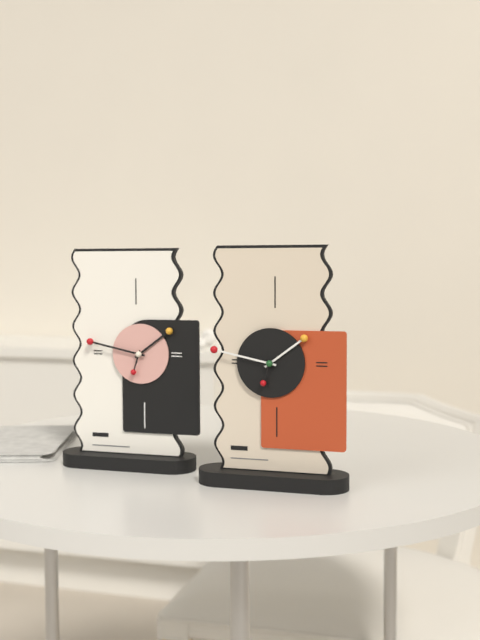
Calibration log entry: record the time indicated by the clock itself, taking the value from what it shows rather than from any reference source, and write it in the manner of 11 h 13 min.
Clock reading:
1 h 47 min
